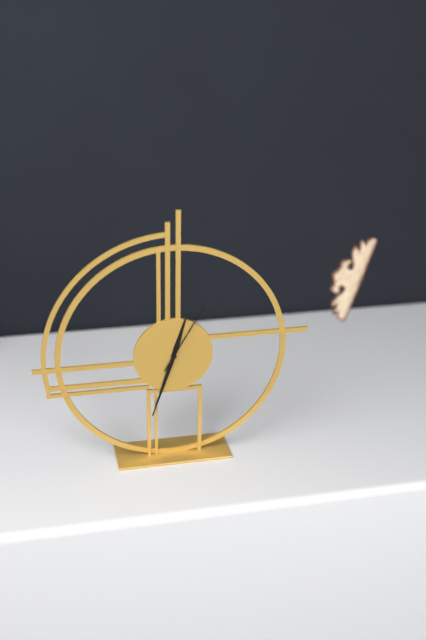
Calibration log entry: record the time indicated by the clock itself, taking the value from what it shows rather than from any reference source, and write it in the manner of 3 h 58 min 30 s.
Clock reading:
12 h 33 min 05 s
